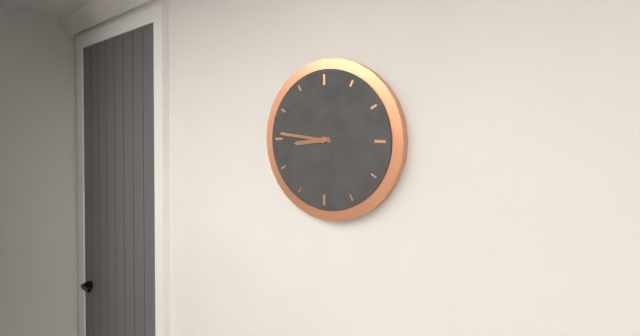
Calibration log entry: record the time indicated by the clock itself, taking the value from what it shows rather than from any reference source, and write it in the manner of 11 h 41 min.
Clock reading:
8 h 46 min
